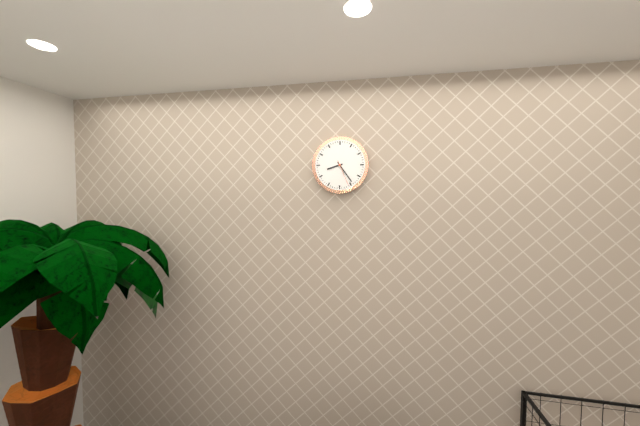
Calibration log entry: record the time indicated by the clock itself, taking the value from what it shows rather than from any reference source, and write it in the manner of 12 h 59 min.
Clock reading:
8 h 24 min
